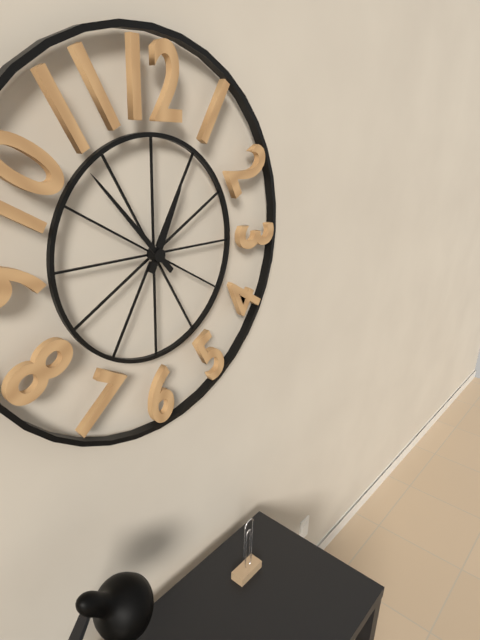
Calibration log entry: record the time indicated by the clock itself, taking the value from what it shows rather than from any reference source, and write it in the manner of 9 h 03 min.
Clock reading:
12 h 53 min
